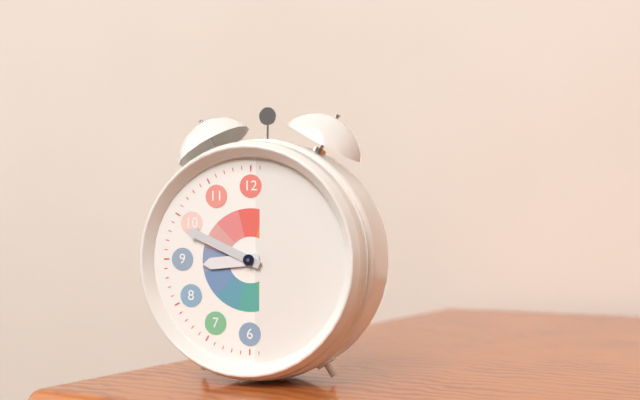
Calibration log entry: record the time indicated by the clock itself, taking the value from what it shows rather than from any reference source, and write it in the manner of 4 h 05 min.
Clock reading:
8 h 49 min
